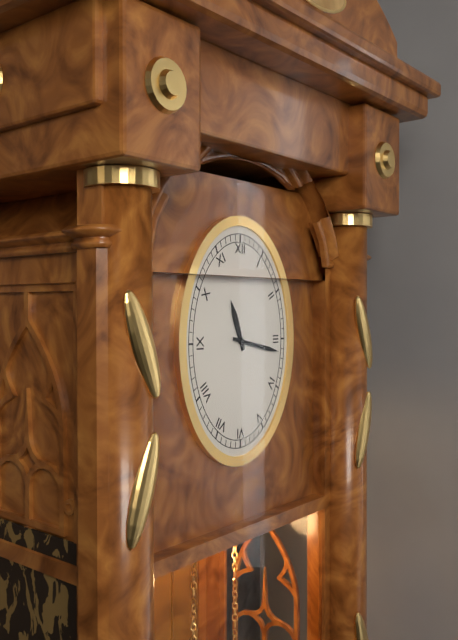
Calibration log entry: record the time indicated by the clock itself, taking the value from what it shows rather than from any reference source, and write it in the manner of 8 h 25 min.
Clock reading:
11 h 17 min
